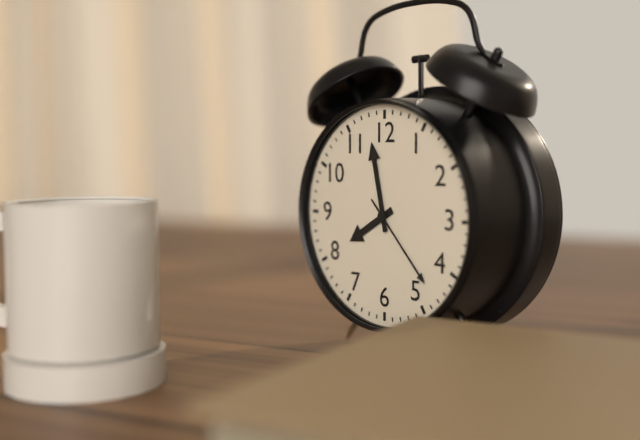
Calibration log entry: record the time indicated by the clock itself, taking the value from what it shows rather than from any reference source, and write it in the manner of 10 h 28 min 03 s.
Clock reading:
7 h 58 min 23 s
